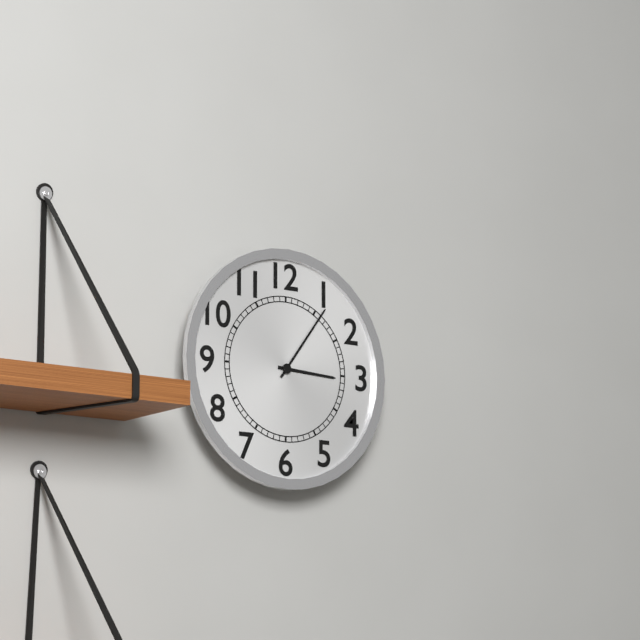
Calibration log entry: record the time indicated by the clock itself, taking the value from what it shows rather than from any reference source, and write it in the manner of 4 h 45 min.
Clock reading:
3 h 06 min
